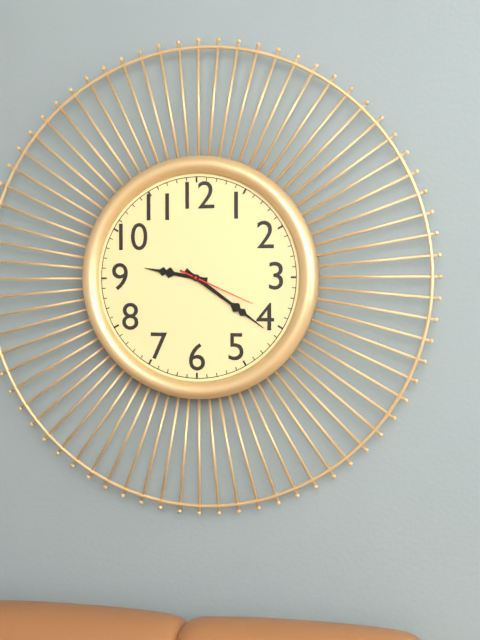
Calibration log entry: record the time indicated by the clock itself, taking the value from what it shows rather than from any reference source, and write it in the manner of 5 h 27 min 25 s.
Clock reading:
9 h 21 min 19 s
